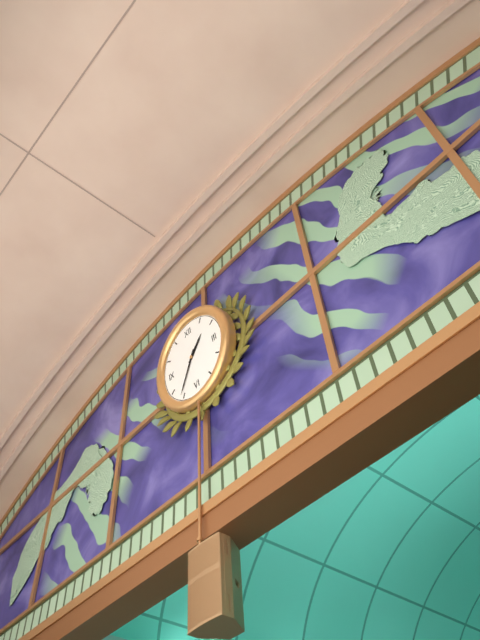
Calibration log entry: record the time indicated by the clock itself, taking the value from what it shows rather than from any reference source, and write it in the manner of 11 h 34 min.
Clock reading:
1 h 36 min
